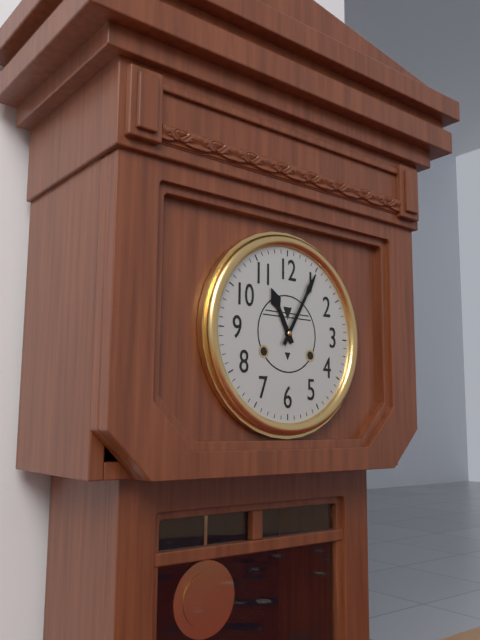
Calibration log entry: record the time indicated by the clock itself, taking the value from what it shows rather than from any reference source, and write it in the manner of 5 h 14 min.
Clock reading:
11 h 05 min
